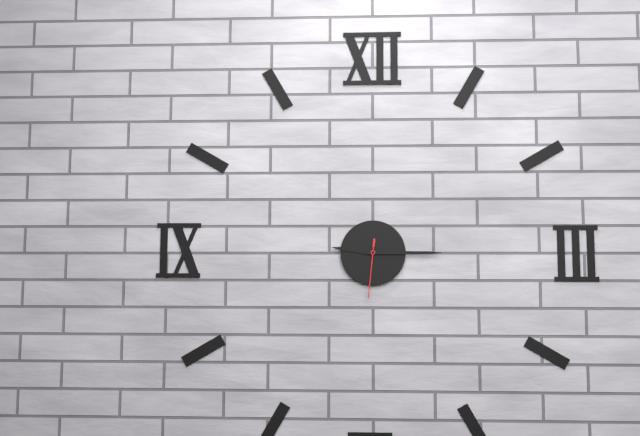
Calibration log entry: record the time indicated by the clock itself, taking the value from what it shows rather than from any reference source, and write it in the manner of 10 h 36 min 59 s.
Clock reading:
9 h 15 min 31 s
